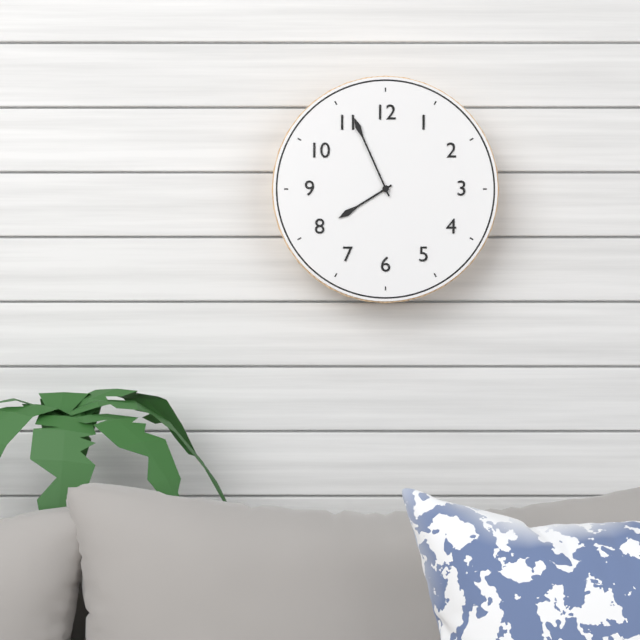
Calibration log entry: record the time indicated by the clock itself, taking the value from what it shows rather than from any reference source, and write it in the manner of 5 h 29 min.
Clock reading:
7 h 56 min
